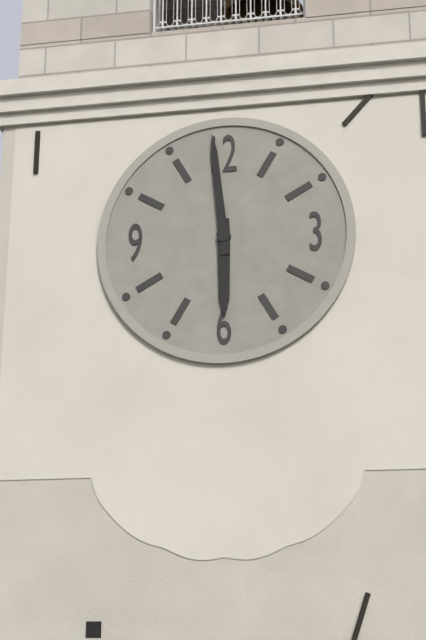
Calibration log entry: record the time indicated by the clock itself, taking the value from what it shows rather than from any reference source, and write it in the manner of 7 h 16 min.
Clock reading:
5 h 59 min
